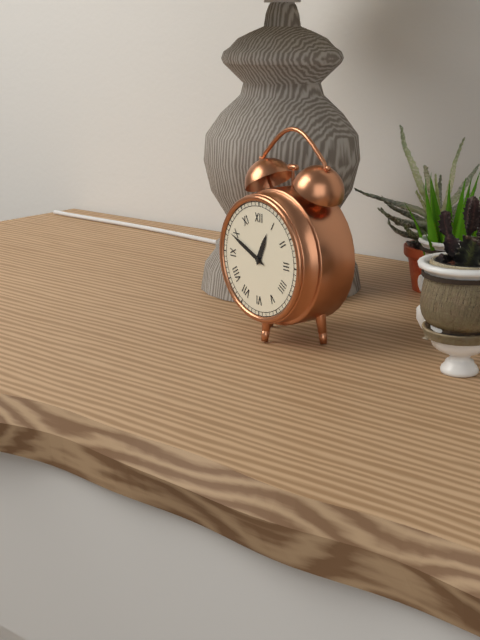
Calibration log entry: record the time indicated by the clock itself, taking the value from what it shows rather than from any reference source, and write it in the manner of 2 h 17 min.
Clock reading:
12 h 49 min
